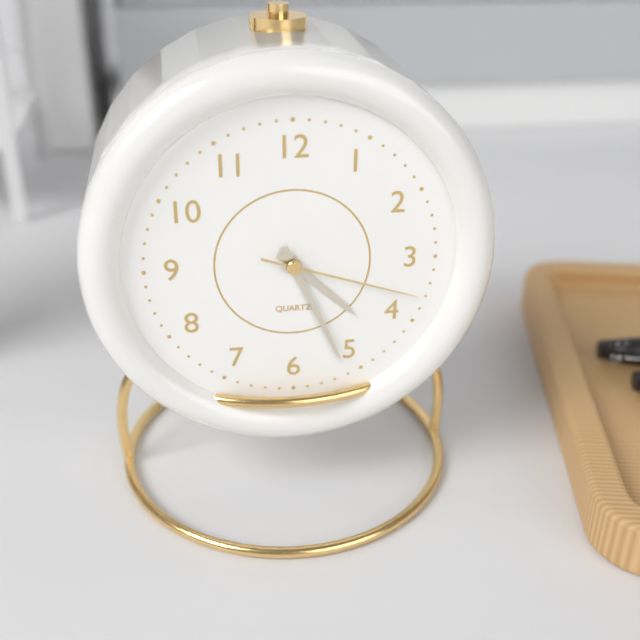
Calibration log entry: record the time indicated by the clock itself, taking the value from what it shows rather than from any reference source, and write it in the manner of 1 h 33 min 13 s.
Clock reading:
4 h 26 min 18 s
